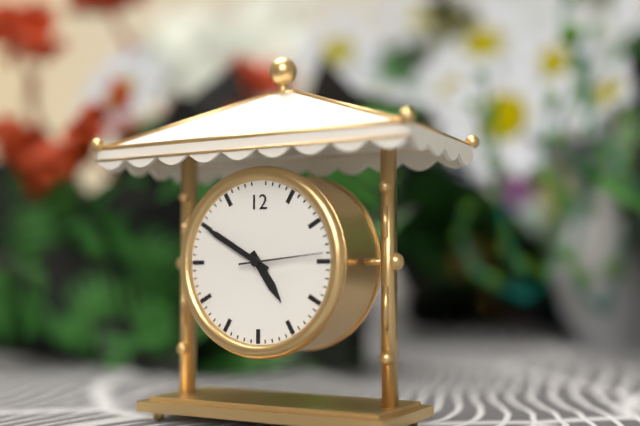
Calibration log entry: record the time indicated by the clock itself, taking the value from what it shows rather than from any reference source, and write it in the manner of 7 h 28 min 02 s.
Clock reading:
4 h 50 min 14 s
